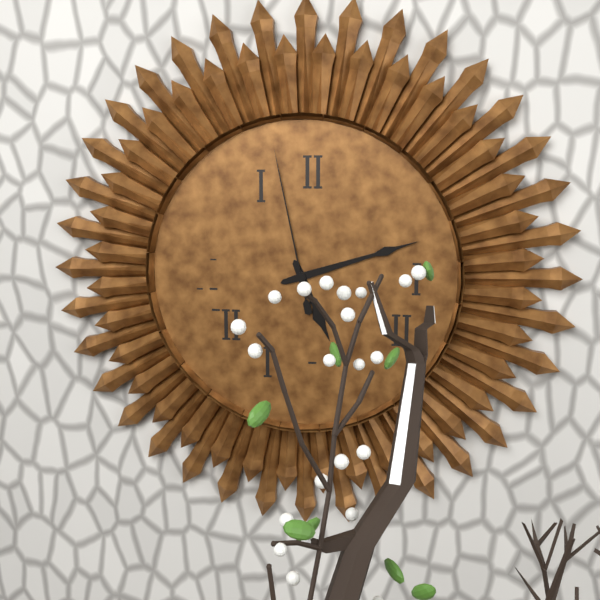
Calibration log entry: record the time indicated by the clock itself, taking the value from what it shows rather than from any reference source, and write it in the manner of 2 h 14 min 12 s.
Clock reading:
5 h 12 min 58 s
